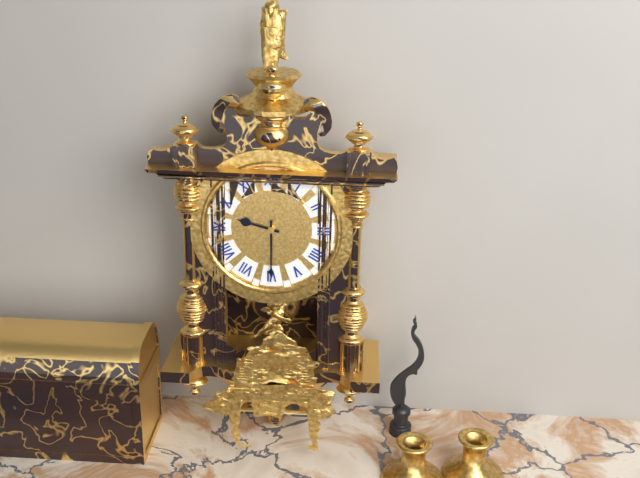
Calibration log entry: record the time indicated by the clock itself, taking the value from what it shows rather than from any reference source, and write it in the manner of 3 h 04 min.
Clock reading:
9 h 30 min
